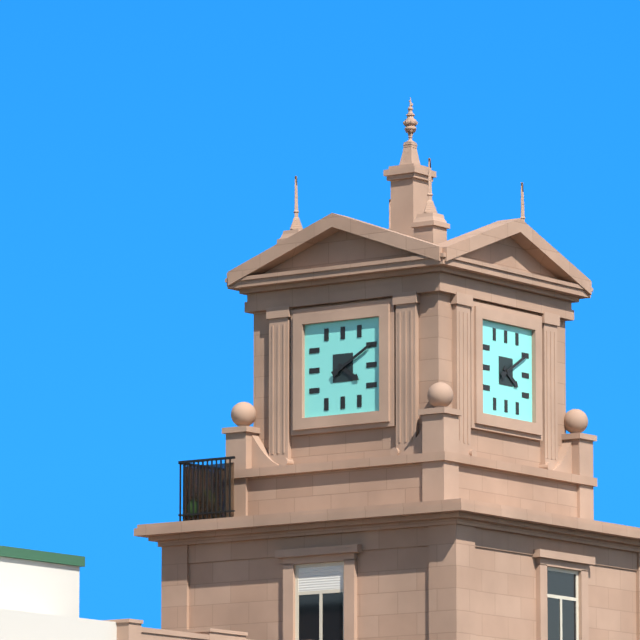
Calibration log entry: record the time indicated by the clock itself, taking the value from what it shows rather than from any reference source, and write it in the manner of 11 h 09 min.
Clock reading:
4 h 10 min
